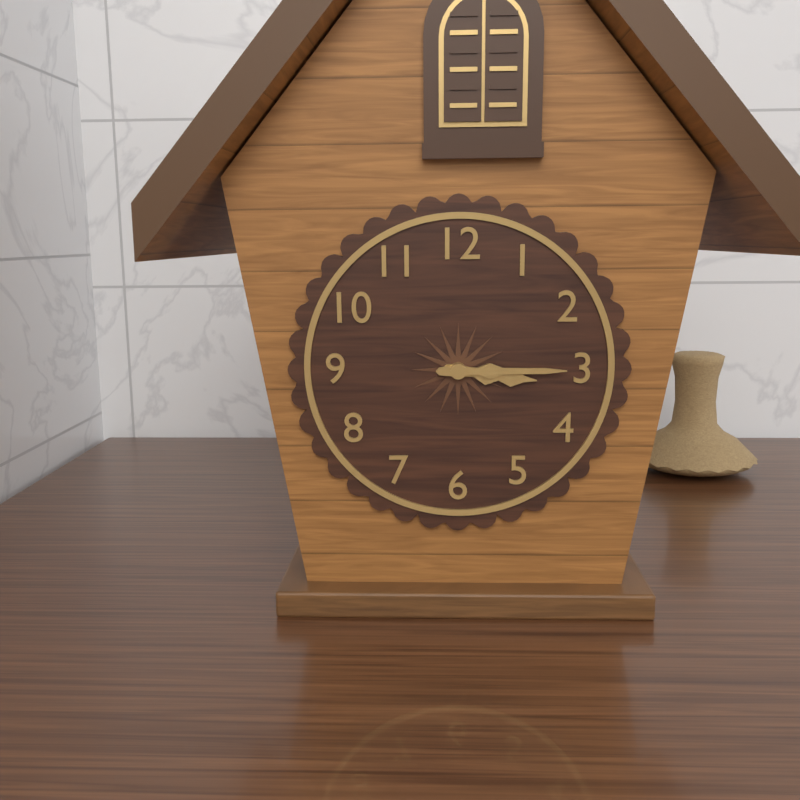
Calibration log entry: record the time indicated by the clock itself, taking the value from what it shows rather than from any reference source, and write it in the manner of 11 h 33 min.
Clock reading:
3 h 15 min
